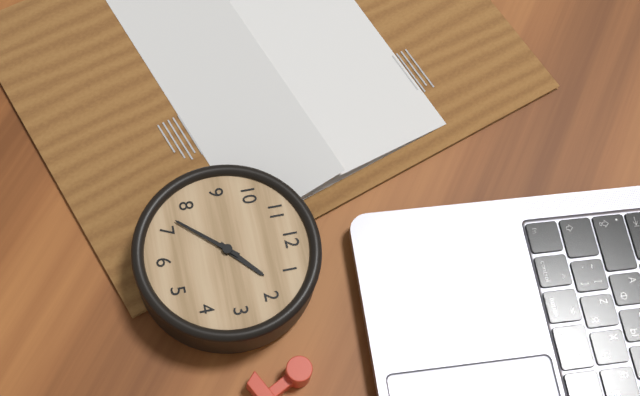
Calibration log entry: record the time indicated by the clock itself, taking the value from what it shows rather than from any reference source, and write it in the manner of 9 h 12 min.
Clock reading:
1 h 37 min
